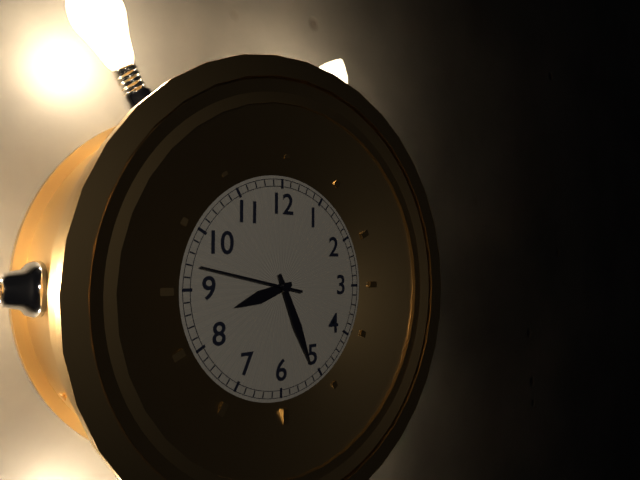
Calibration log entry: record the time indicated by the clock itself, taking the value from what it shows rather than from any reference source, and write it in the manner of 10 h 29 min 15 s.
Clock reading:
8 h 26 min 47 s
